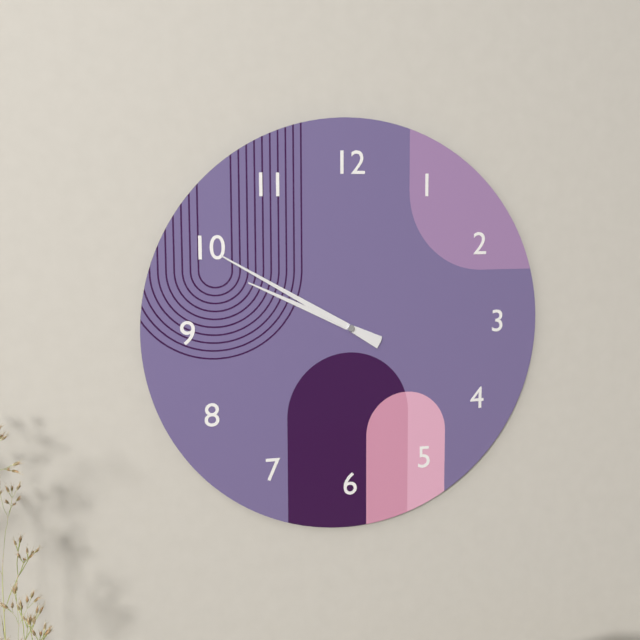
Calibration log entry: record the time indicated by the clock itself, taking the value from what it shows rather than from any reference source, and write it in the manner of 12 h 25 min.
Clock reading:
9 h 50 min
